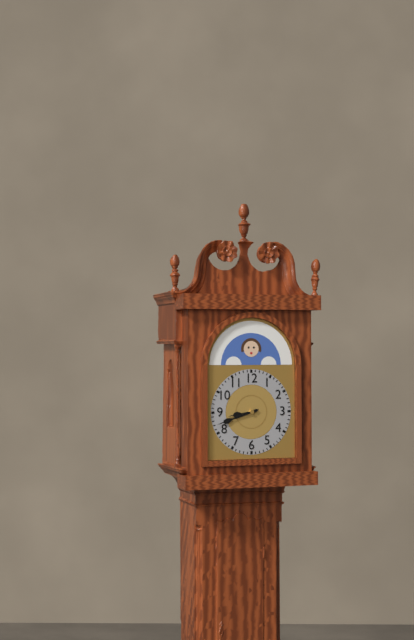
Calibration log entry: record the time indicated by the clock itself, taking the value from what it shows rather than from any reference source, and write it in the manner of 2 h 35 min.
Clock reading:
8 h 42 min
